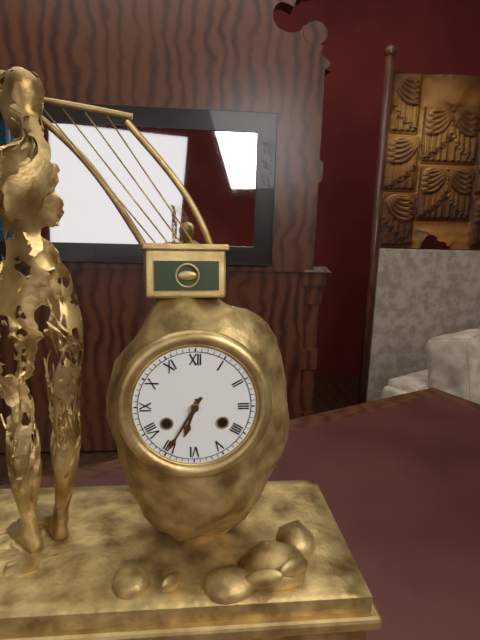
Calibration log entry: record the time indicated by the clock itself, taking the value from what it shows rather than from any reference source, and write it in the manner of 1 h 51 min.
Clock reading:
6 h 35 min
